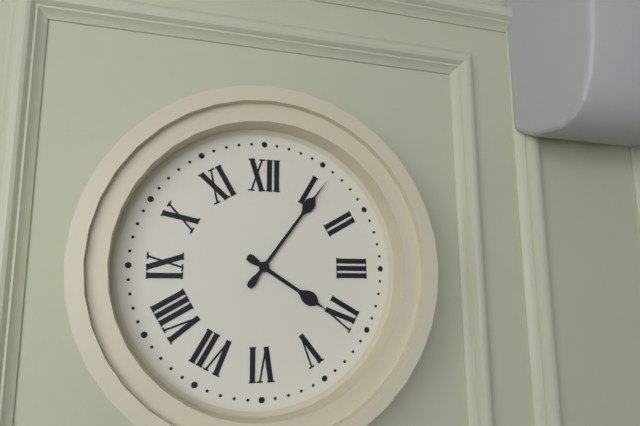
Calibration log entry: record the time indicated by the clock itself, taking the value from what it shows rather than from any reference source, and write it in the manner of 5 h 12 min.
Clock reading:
4 h 06 min
